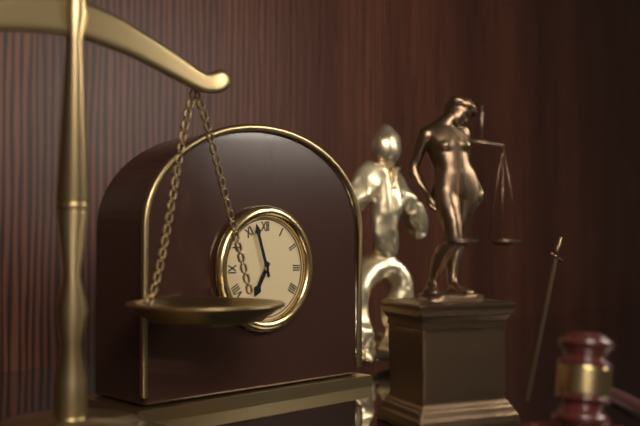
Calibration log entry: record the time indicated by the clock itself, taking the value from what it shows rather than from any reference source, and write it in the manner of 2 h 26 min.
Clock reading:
6 h 57 min
